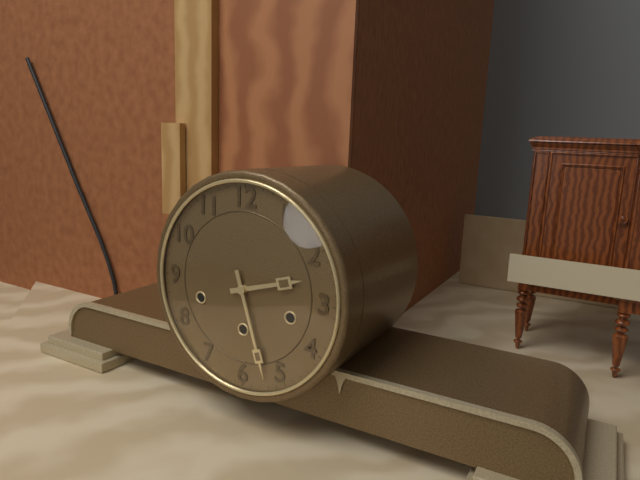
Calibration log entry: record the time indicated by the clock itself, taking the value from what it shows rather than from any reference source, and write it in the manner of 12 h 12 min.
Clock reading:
2 h 27 min
